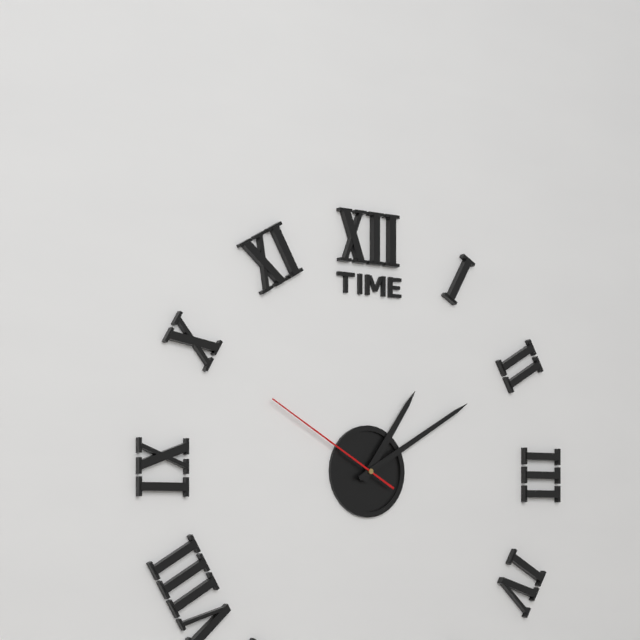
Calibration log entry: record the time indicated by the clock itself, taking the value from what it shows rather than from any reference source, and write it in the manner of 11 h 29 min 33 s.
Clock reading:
1 h 10 min 50 s
